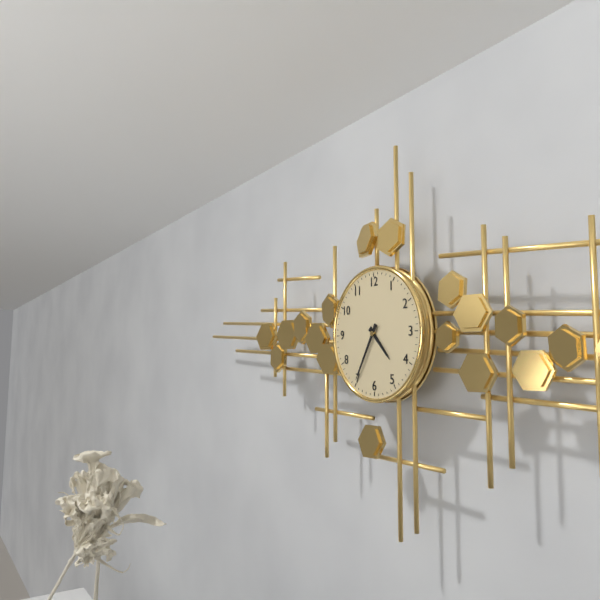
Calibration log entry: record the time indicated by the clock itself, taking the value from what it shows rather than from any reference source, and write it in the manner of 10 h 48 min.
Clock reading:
4 h 35 min
